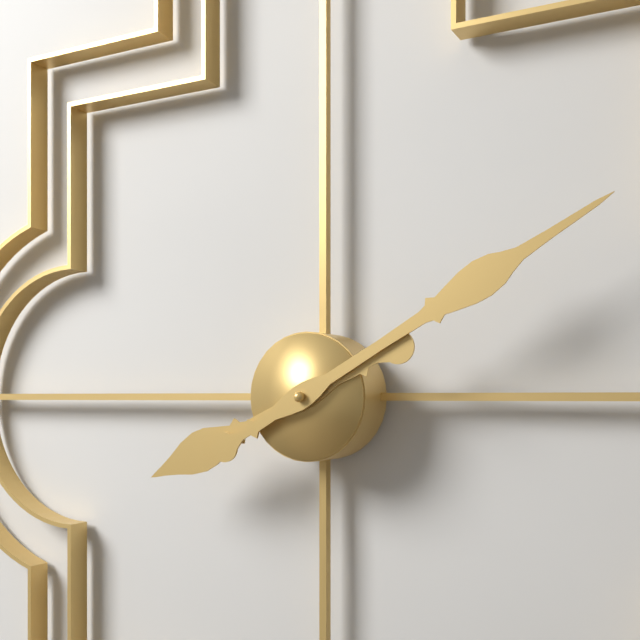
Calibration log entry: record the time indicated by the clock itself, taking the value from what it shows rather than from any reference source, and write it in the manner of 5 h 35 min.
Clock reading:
8 h 10 min
